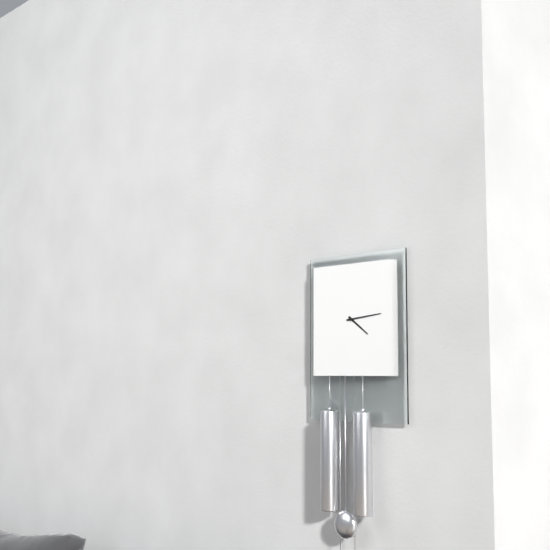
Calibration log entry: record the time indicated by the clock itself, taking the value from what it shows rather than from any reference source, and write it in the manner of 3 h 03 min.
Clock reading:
4 h 14 min
